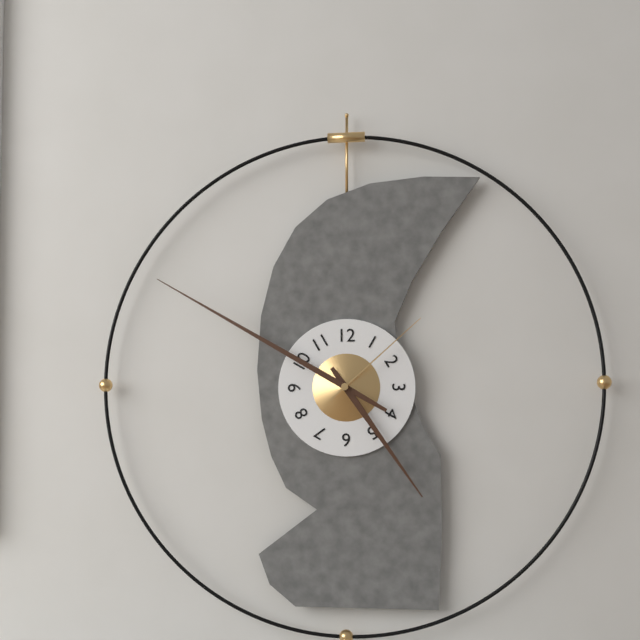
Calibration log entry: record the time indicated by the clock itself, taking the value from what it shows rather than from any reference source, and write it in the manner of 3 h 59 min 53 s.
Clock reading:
4 h 50 min 08 s
